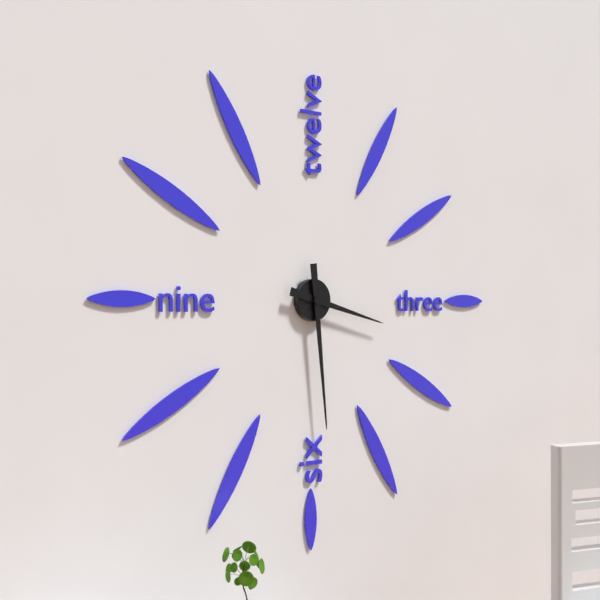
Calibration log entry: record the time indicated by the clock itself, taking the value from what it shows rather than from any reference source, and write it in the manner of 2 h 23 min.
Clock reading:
3 h 29 min
